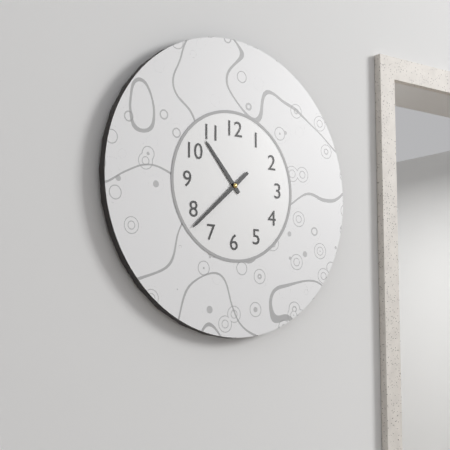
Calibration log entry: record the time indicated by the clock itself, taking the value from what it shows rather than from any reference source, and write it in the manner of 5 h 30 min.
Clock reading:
10 h 38 min
